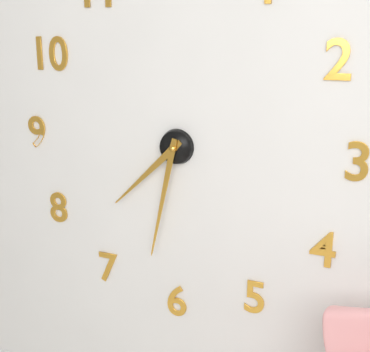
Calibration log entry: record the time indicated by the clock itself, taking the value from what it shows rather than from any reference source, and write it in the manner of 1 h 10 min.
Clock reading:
7 h 32 min
